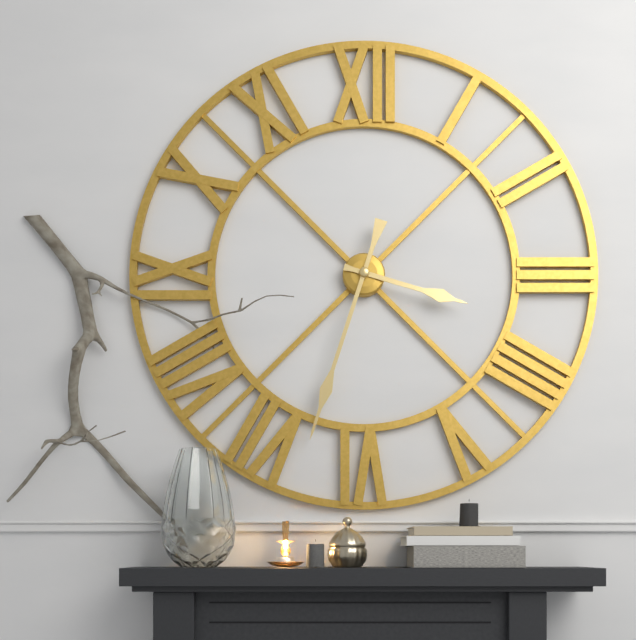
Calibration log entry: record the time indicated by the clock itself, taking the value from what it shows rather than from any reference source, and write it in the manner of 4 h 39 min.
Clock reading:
3 h 33 min
